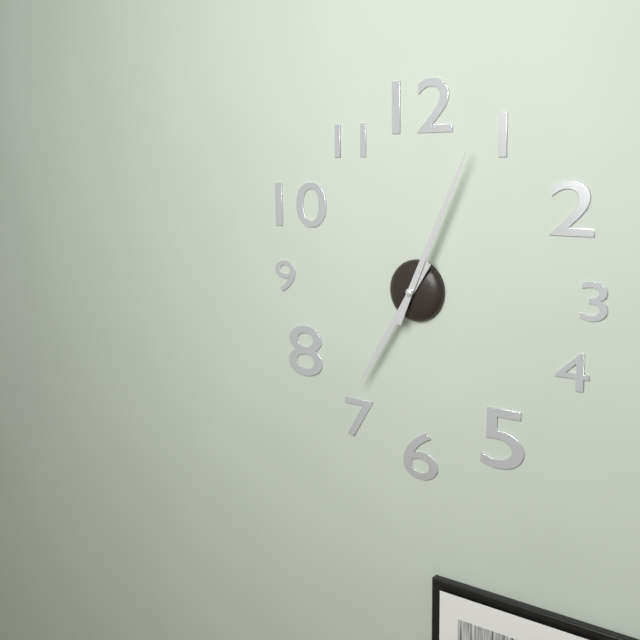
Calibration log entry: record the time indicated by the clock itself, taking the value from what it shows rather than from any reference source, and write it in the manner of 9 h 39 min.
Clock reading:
7 h 04 min
